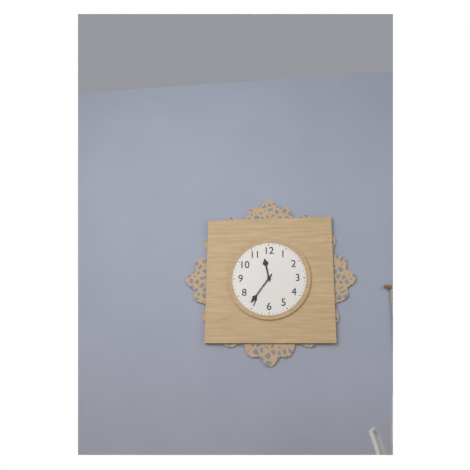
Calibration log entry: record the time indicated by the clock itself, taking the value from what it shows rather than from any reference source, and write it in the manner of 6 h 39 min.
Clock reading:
11 h 36 min
